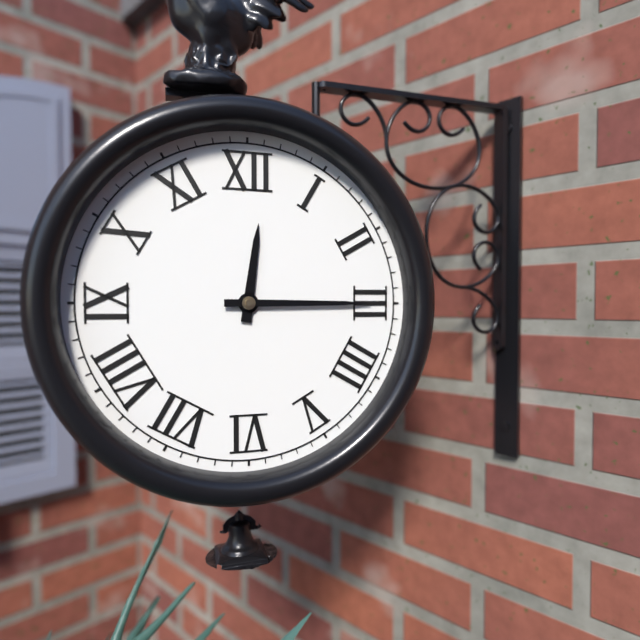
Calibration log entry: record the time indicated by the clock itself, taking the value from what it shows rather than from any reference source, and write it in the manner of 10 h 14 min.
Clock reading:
12 h 15 min
